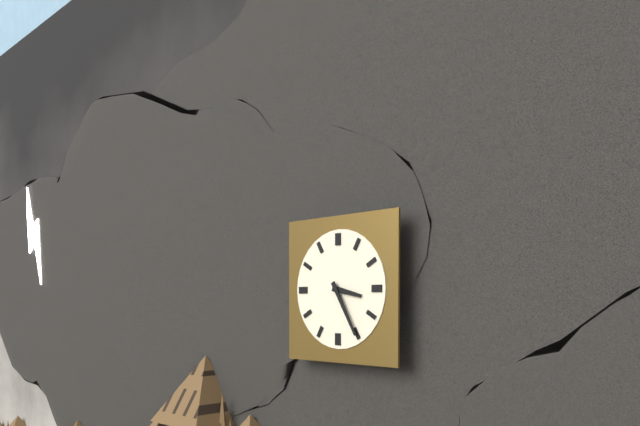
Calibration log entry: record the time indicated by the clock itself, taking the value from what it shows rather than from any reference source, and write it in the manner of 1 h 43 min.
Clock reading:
3 h 25 min
